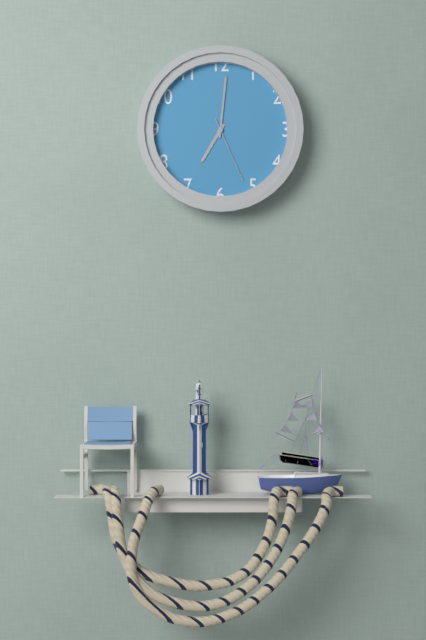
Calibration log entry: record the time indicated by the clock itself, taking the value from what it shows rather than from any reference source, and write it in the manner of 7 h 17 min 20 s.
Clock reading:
7 h 01 min 26 s
